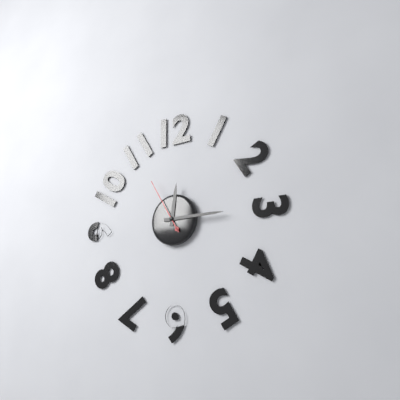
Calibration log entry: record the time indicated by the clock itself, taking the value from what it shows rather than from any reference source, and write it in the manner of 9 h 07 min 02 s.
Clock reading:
12 h 15 min 55 s
